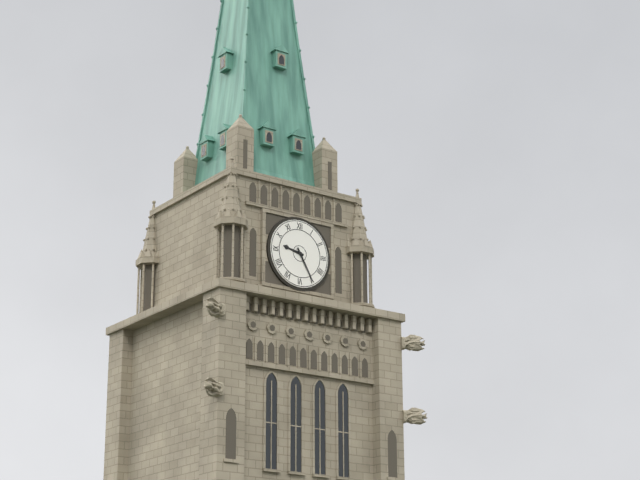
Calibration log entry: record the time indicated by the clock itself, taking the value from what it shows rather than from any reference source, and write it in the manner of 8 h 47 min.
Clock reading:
9 h 25 min
